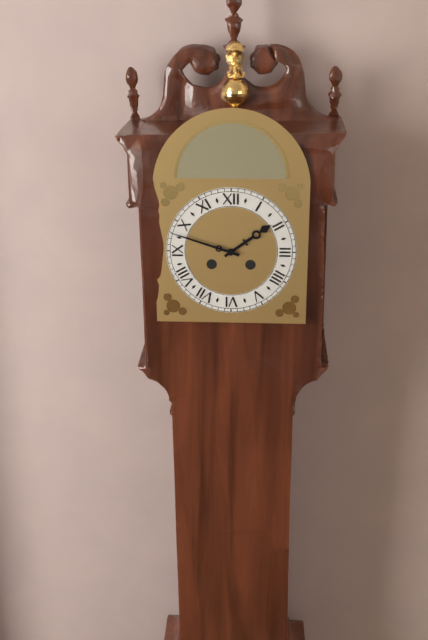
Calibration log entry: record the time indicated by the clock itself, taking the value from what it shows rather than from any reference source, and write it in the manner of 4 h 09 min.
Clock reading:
1 h 48 min
